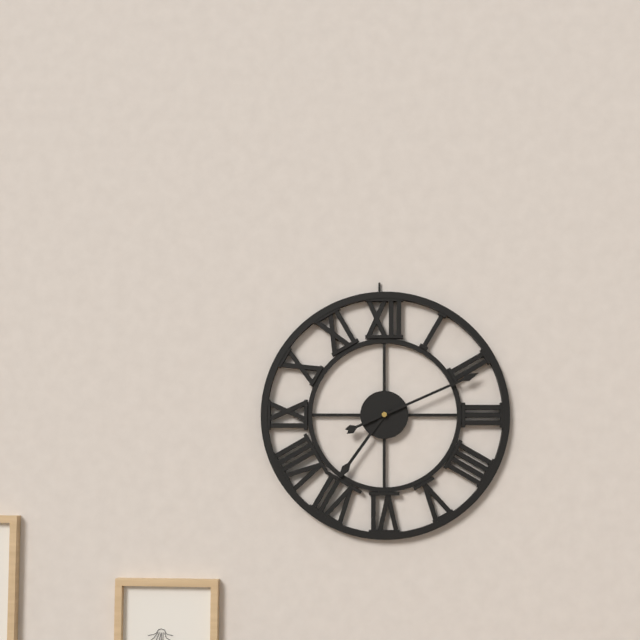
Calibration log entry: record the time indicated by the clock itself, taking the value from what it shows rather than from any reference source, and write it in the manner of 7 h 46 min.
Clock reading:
7 h 11 min
